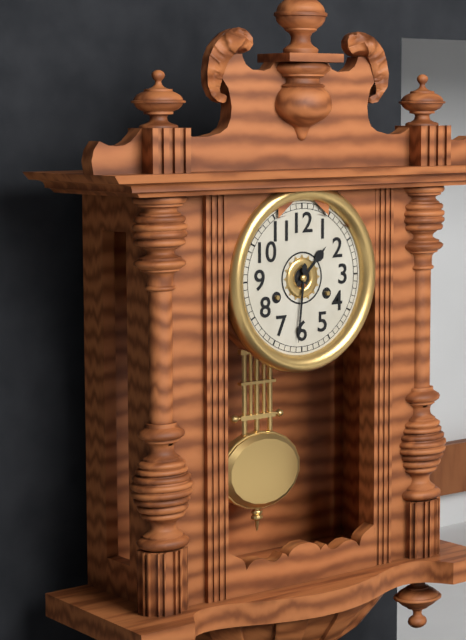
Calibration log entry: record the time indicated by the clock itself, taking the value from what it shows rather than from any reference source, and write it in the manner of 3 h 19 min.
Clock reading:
1 h 31 min
